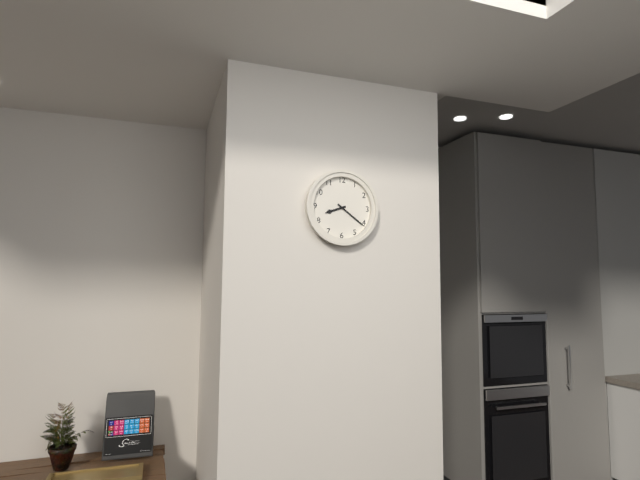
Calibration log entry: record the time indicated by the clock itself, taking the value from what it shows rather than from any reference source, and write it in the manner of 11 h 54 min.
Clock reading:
8 h 21 min
